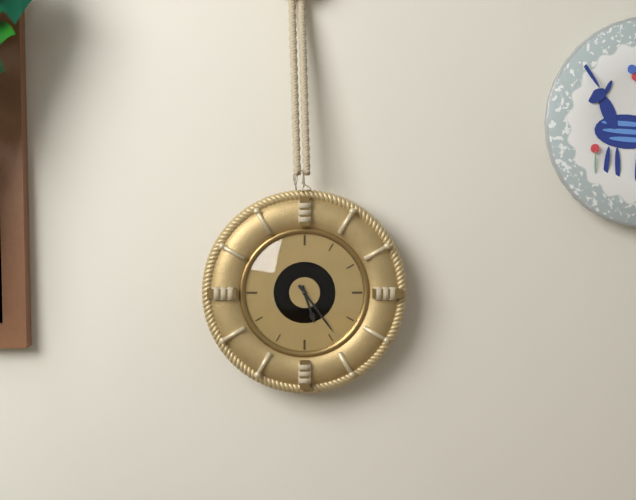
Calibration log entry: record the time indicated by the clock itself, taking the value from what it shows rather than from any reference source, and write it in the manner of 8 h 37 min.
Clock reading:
5 h 24 min
